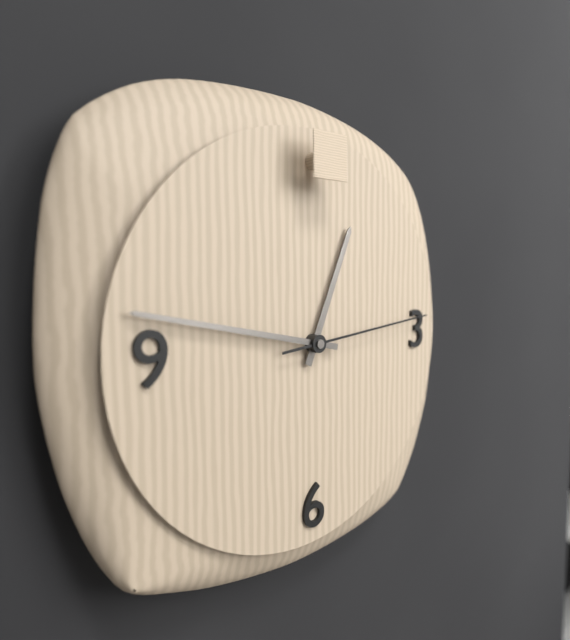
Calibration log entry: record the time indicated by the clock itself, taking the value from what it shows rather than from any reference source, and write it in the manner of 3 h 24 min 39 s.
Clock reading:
12 h 47 min 14 s
